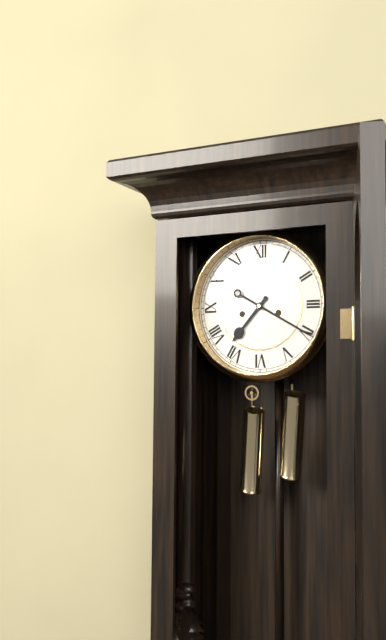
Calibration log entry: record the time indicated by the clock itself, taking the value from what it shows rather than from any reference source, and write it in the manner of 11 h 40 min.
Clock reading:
7 h 20 min
